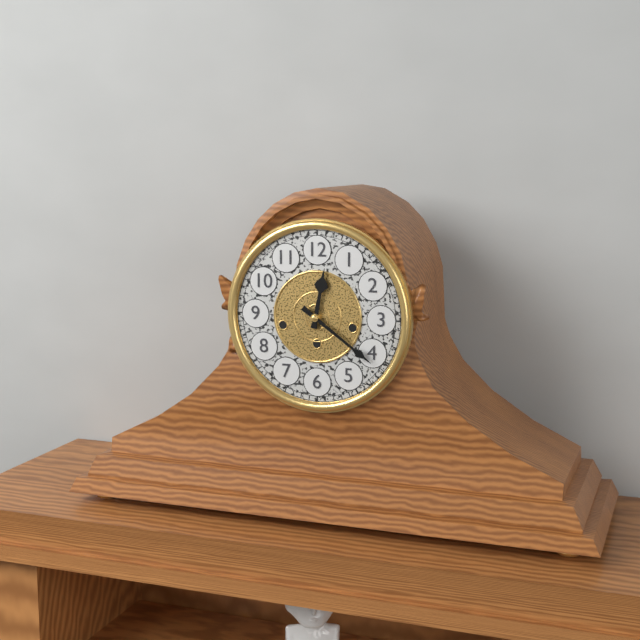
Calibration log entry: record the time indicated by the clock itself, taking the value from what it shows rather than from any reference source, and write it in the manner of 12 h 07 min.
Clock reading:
12 h 21 min
